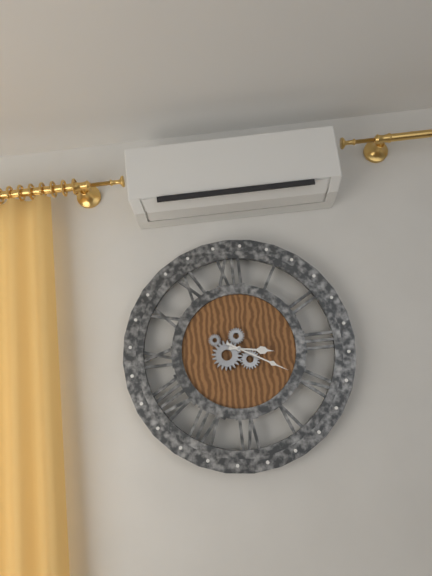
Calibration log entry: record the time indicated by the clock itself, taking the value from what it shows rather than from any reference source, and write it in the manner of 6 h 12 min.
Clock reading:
3 h 20 min
